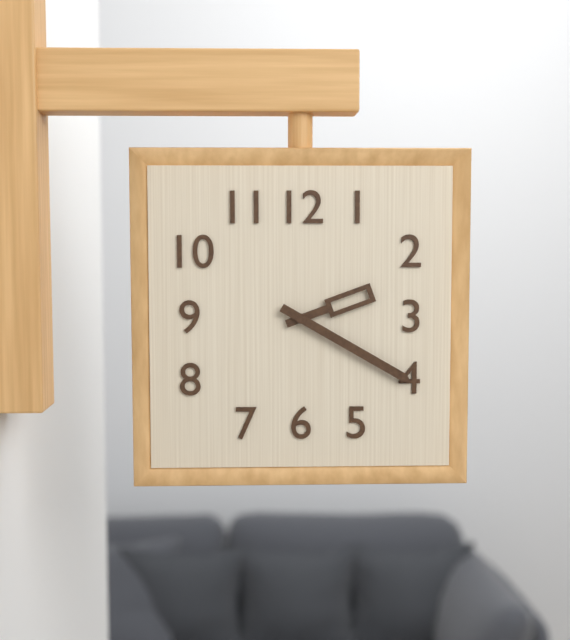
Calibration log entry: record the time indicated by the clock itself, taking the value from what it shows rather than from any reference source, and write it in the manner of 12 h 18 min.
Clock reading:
2 h 20 min
